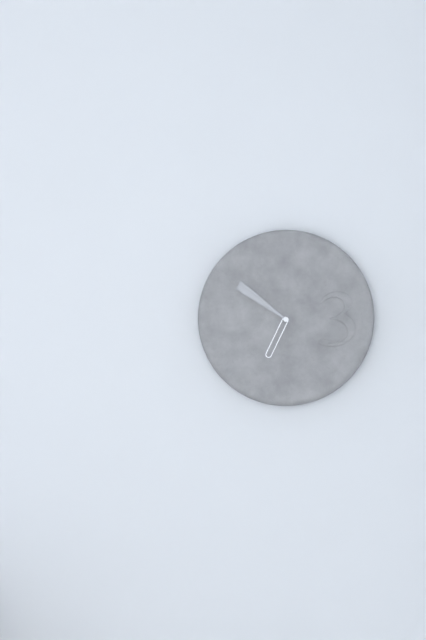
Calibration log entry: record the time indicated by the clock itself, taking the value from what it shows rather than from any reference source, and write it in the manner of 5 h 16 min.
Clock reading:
6 h 51 min
